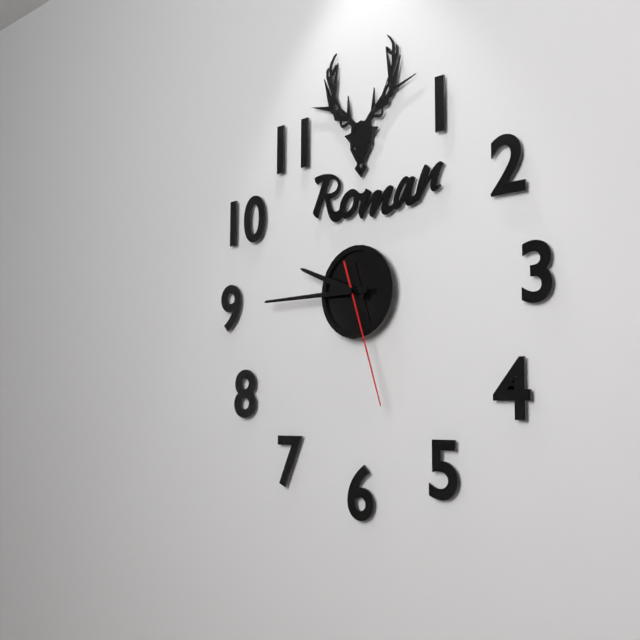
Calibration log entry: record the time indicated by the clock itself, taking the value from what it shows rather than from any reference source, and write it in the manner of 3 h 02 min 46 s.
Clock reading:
9 h 45 min 27 s
